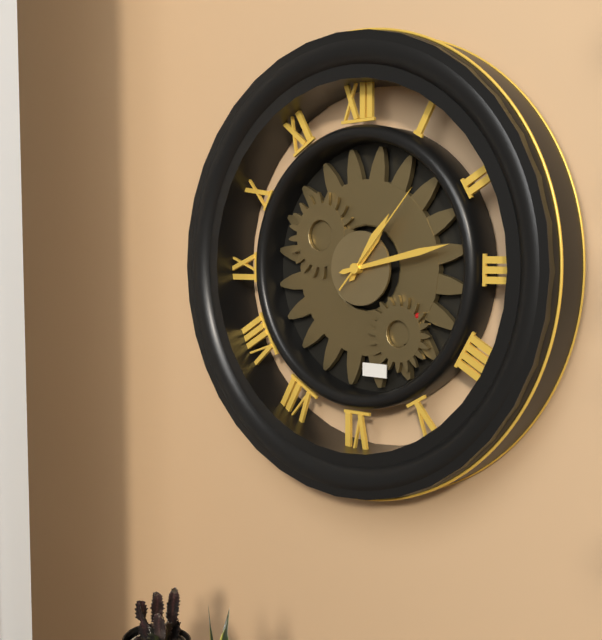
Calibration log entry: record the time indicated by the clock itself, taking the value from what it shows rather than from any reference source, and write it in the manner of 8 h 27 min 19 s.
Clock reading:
1 h 13 min 07 s
